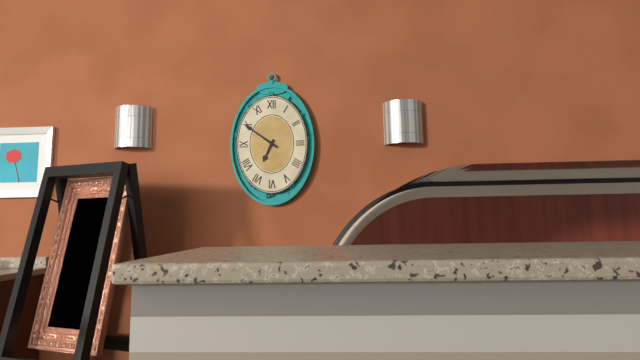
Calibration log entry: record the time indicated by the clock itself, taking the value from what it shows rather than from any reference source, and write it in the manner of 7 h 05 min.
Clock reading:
6 h 51 min
